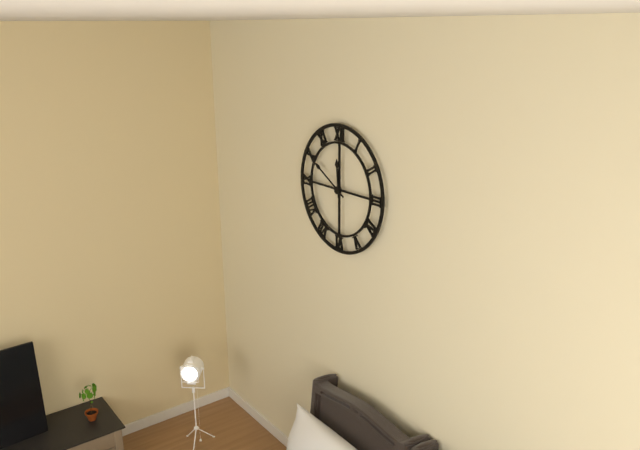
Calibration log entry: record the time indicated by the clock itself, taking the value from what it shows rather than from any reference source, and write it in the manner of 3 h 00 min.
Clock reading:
11 h 50 min
